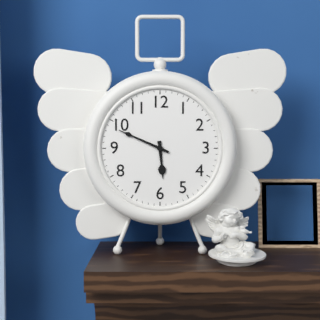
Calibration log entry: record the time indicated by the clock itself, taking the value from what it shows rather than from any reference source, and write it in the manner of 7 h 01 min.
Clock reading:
5 h 49 min
